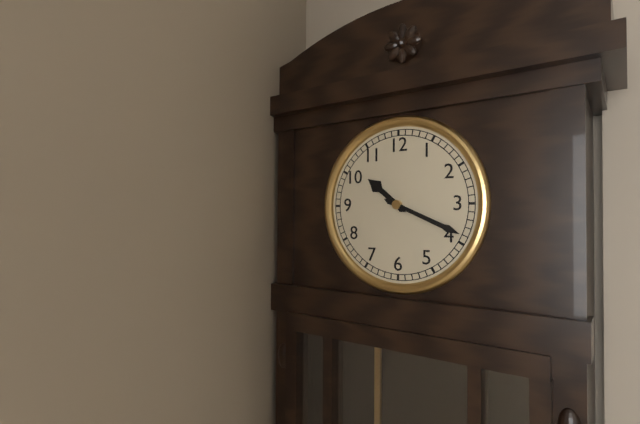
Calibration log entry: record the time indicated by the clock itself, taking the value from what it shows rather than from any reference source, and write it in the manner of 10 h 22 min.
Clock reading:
10 h 19 min
